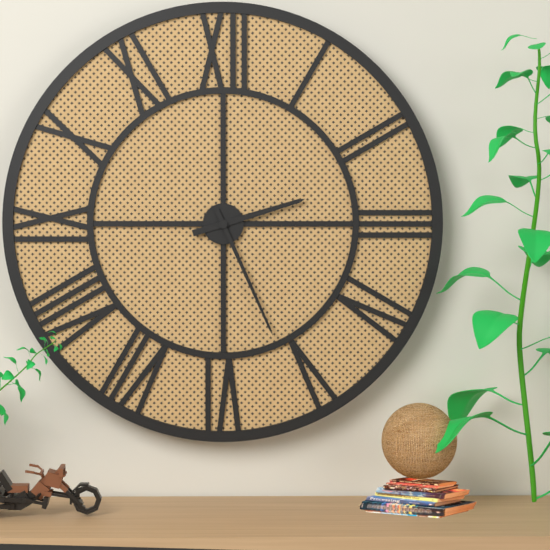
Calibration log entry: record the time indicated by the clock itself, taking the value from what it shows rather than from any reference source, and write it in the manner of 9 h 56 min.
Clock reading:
2 h 26 min
